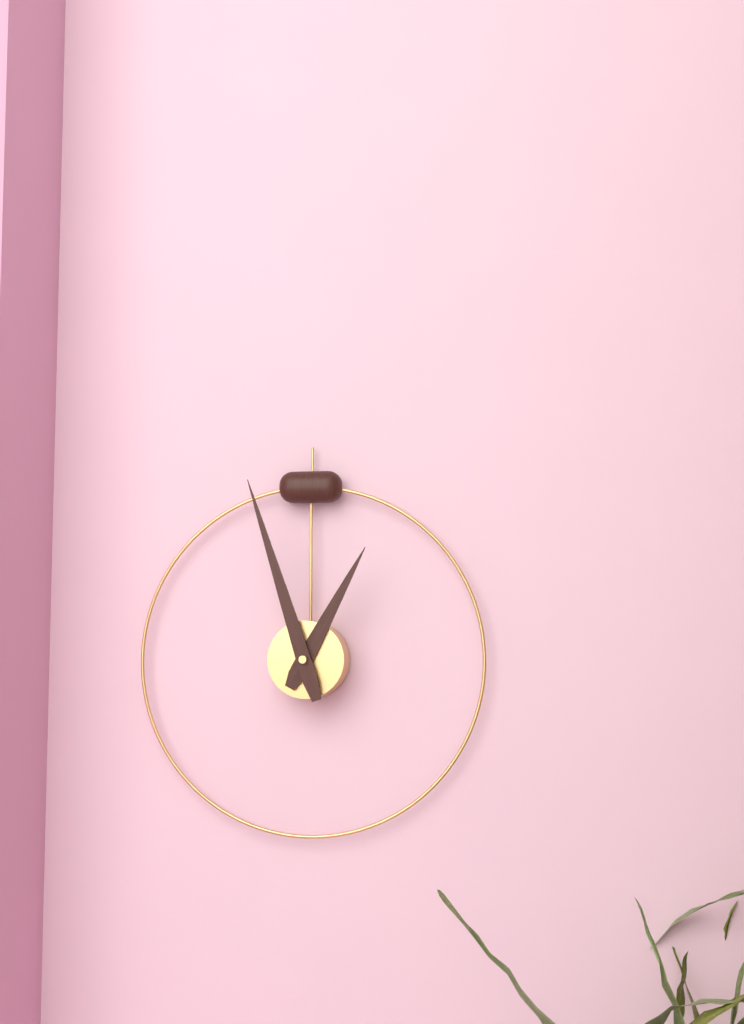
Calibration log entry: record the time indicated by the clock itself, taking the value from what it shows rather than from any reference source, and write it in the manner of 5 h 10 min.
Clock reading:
12 h 57 min
